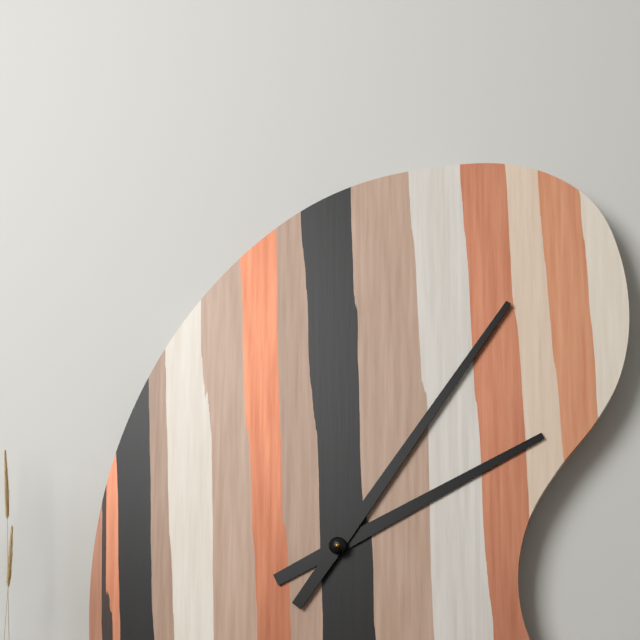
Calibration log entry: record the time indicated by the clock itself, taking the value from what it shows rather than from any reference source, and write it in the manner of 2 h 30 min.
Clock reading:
2 h 06 min
